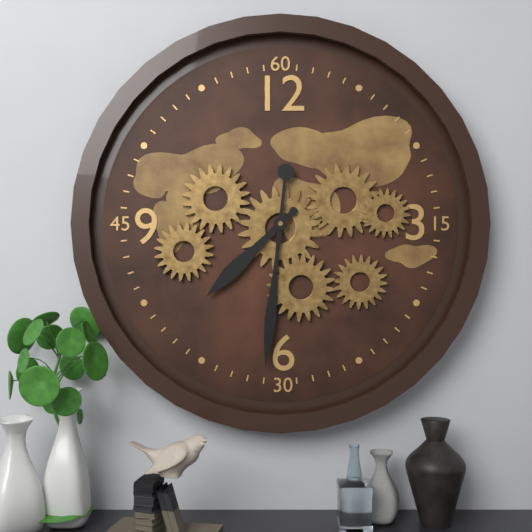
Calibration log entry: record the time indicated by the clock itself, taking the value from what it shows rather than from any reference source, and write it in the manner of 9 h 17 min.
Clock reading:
7 h 31 min
